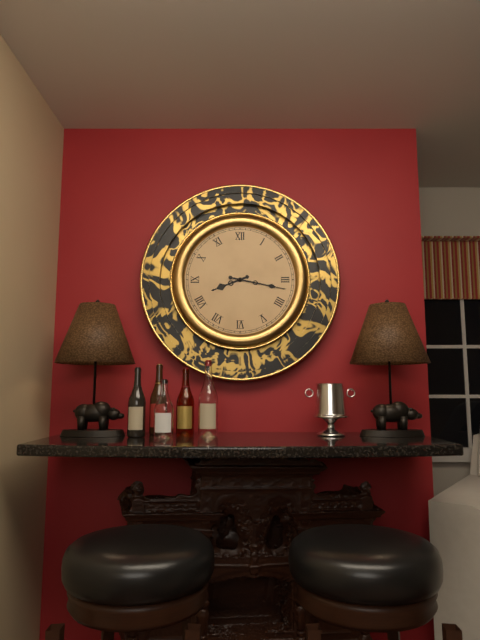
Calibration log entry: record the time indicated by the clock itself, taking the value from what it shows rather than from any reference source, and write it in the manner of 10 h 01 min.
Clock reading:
8 h 17 min
